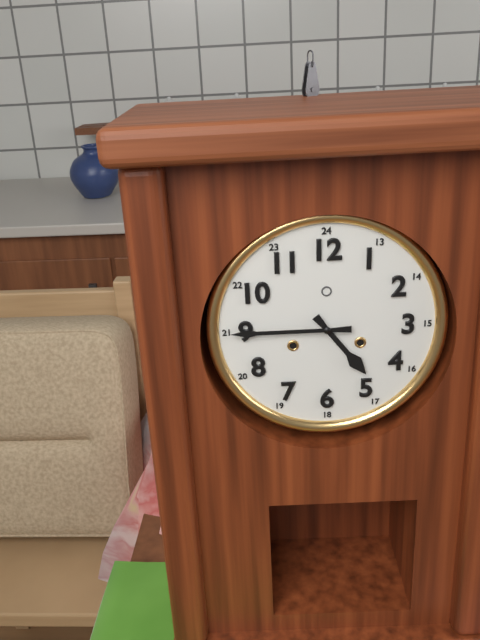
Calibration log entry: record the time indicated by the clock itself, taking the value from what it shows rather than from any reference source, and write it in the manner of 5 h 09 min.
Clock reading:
4 h 45 min
